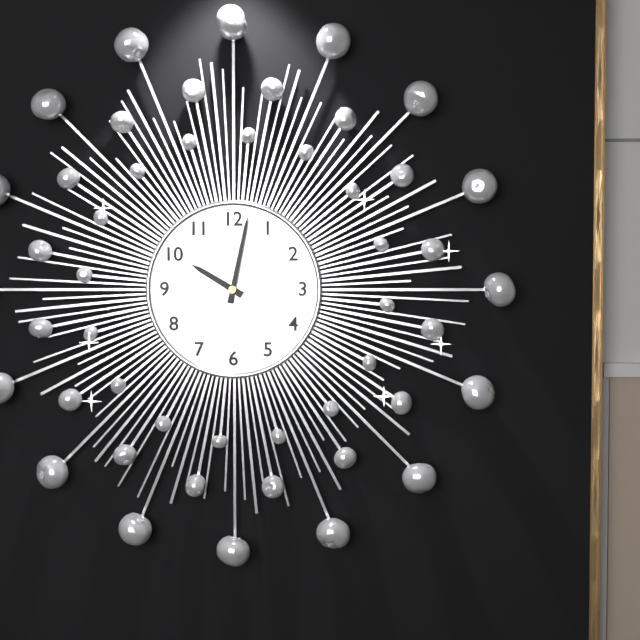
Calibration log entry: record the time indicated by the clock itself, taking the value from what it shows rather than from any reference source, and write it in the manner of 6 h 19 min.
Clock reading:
10 h 02 min
